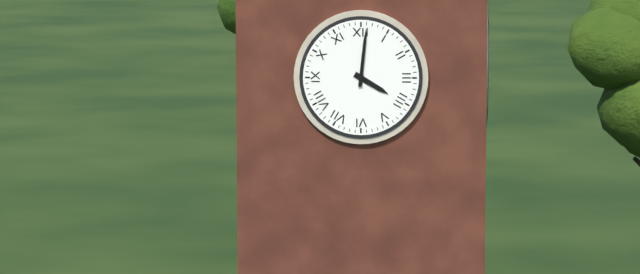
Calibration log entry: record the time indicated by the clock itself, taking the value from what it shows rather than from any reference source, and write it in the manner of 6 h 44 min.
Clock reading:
4 h 01 min
